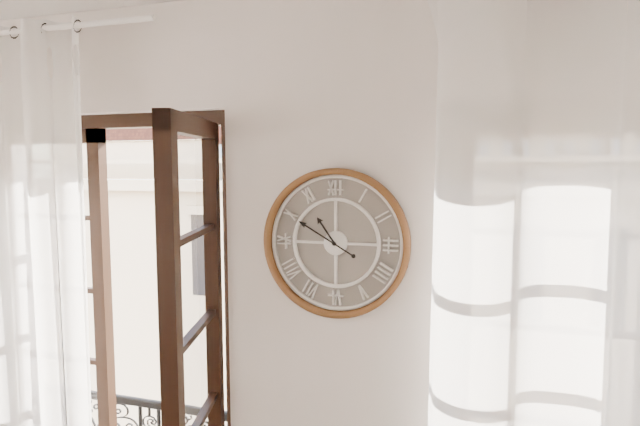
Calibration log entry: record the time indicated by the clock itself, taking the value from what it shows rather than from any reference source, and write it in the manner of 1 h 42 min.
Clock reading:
10 h 50 min
